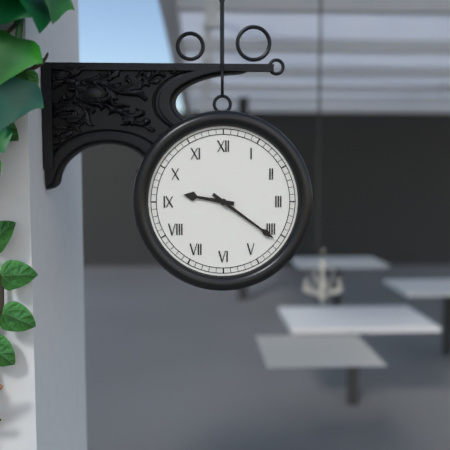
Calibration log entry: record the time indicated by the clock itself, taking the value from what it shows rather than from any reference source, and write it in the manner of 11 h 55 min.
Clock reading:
9 h 21 min
